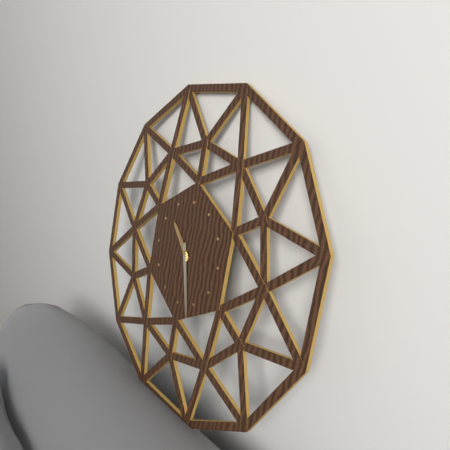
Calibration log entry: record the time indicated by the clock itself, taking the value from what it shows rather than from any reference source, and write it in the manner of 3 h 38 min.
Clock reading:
10 h 27 min
